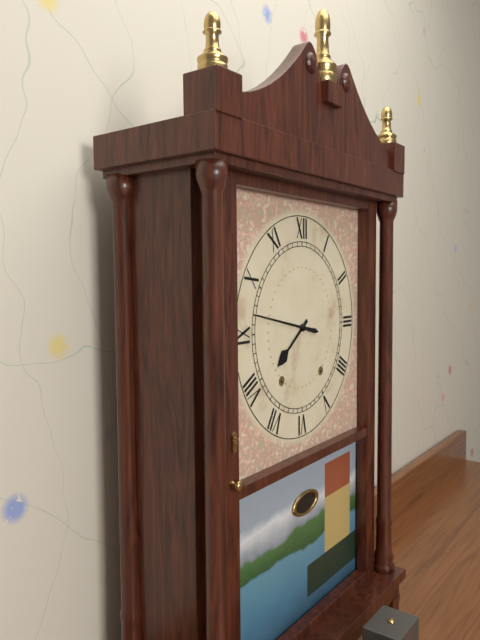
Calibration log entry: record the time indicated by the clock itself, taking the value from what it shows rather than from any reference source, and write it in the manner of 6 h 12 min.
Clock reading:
7 h 47 min
